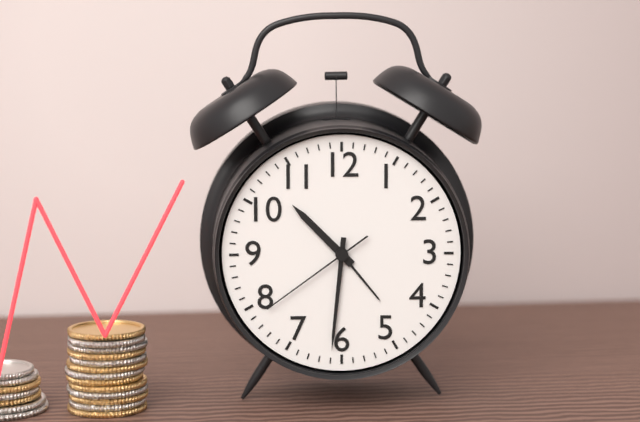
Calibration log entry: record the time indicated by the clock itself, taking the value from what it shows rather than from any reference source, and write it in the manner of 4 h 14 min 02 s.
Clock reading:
10 h 31 min 39 s
